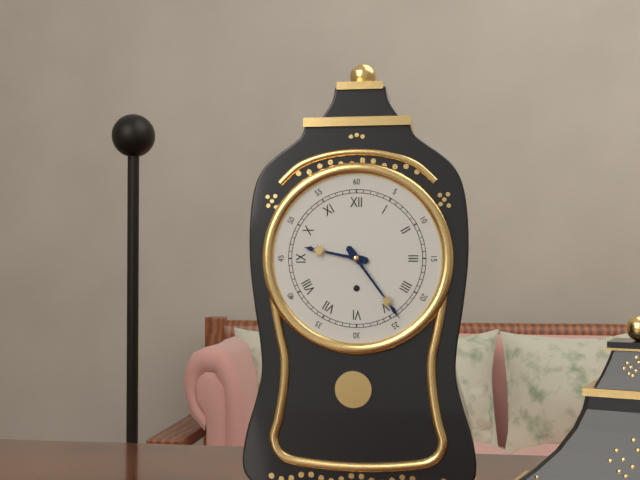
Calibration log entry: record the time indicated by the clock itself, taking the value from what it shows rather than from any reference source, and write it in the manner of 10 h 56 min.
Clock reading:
9 h 24 min
